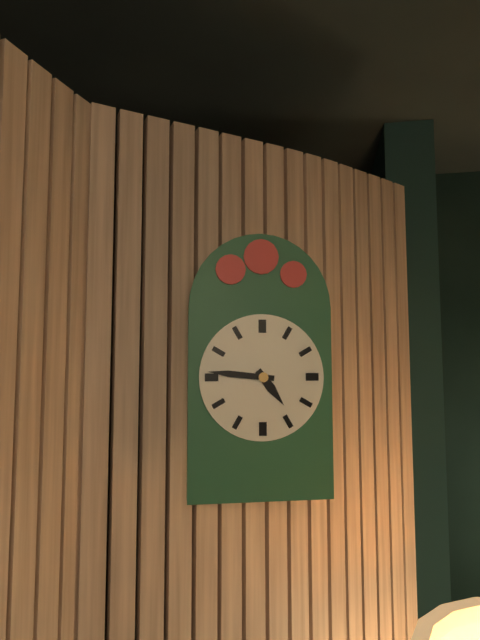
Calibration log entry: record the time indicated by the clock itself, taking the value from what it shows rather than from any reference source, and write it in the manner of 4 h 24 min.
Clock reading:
4 h 46 min
